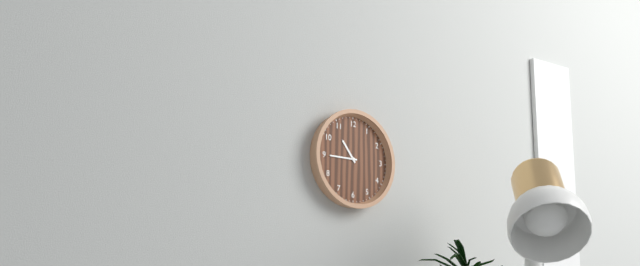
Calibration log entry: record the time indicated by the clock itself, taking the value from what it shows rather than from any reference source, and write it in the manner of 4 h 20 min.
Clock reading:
10 h 45 min
